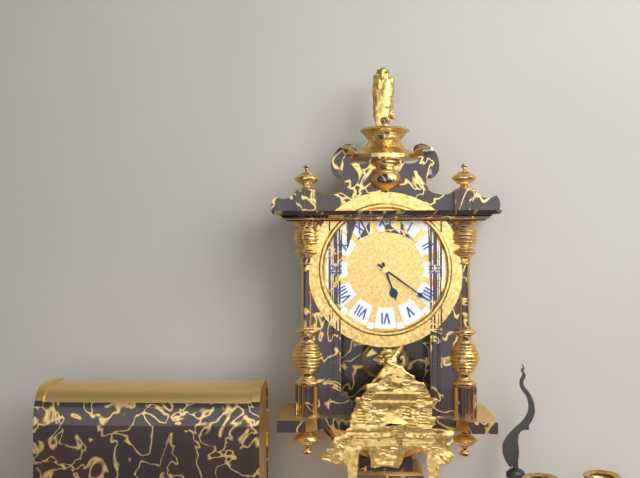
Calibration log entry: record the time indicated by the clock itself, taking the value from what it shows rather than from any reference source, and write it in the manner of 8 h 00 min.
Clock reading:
5 h 21 min
